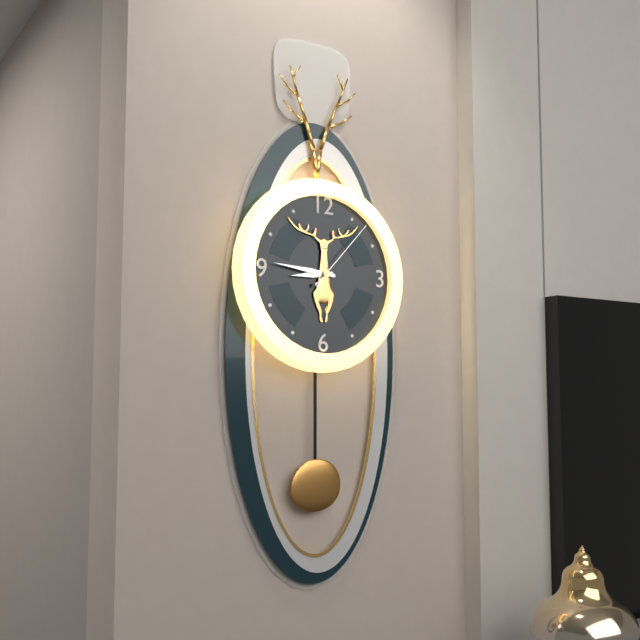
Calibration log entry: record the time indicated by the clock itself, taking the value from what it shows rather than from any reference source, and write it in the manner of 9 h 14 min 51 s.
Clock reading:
8 h 46 min 07 s
